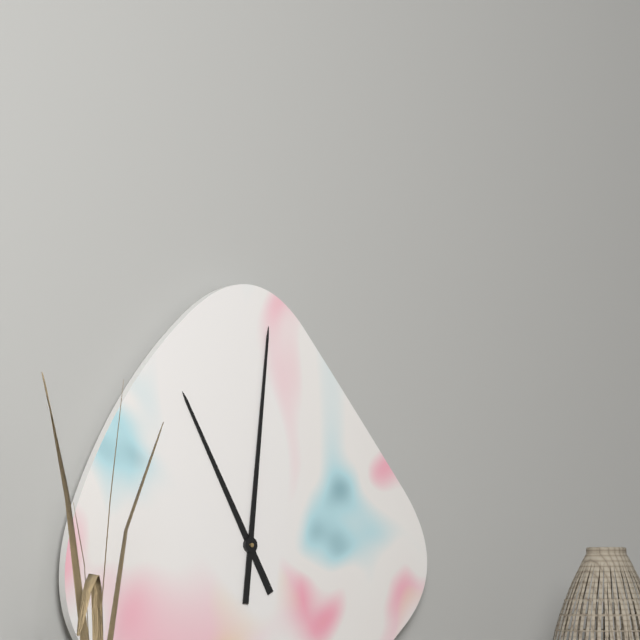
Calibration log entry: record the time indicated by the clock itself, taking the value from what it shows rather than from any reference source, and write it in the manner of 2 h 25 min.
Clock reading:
11 h 01 min
